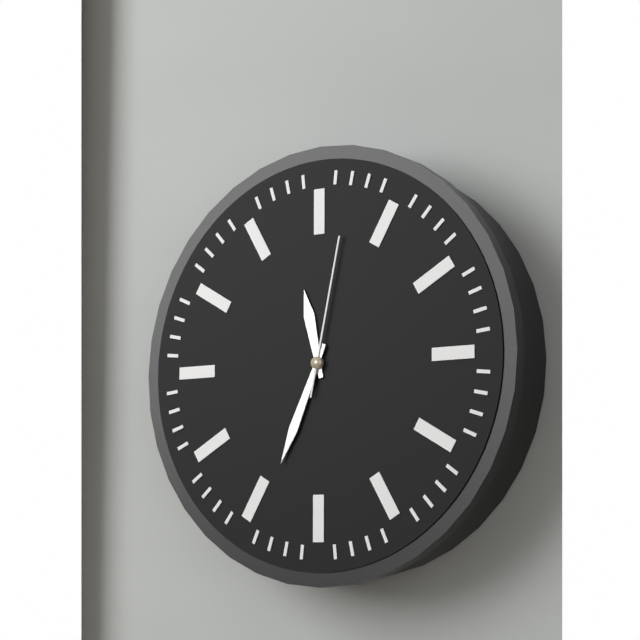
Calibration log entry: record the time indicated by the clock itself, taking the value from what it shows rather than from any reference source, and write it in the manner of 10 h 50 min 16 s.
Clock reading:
11 h 34 min 02 s
